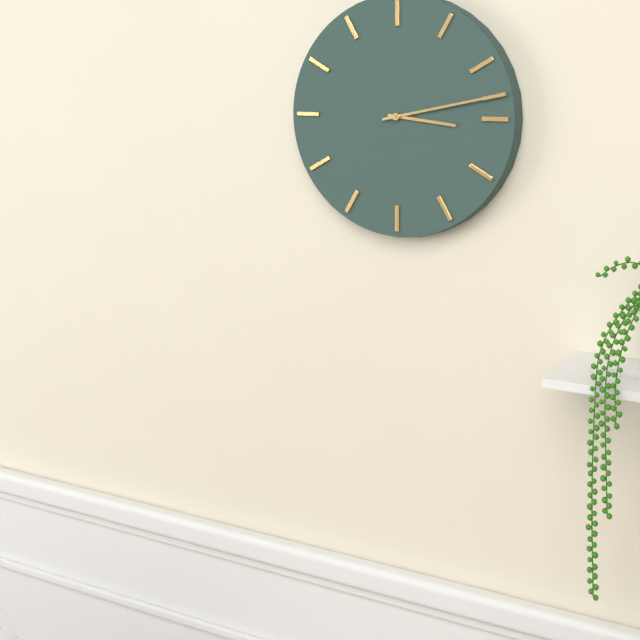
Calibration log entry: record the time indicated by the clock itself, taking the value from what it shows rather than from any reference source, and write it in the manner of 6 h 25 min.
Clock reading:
3 h 13 min
